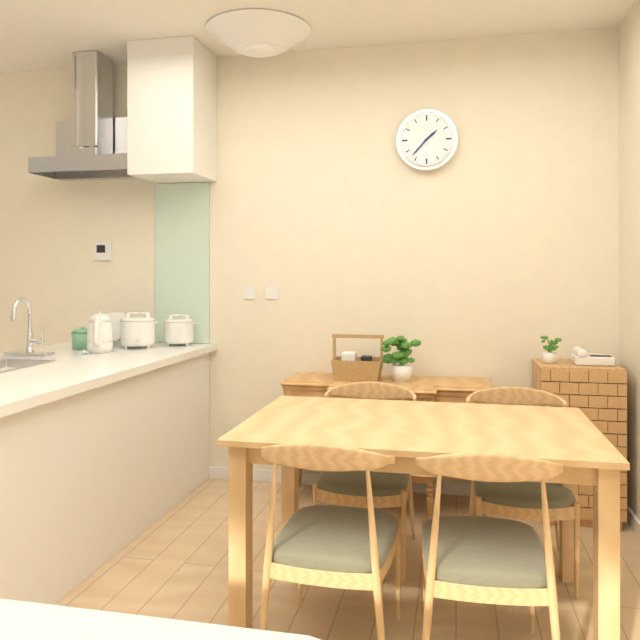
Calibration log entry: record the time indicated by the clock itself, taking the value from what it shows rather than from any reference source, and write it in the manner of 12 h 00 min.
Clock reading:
1 h 37 min
